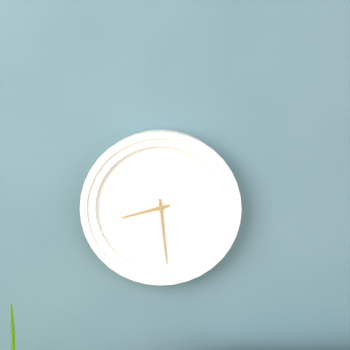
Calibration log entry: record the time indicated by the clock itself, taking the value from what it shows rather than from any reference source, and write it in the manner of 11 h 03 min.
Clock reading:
8 h 29 min
